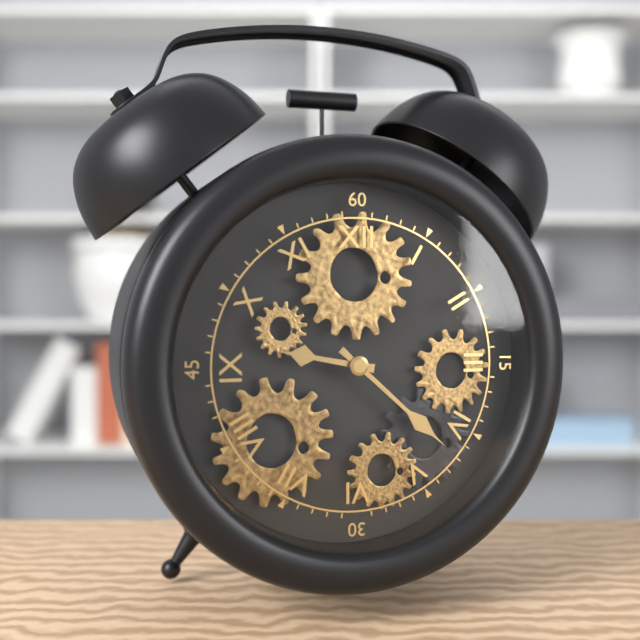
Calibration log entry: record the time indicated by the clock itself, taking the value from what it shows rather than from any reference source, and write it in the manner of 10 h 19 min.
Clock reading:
9 h 22 min
